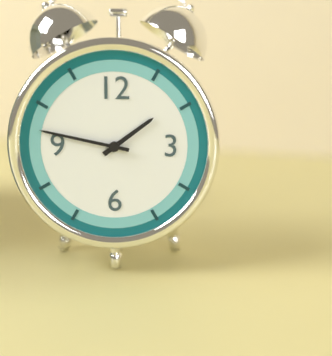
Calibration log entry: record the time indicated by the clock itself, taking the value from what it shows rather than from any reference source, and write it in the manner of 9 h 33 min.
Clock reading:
1 h 47 min
